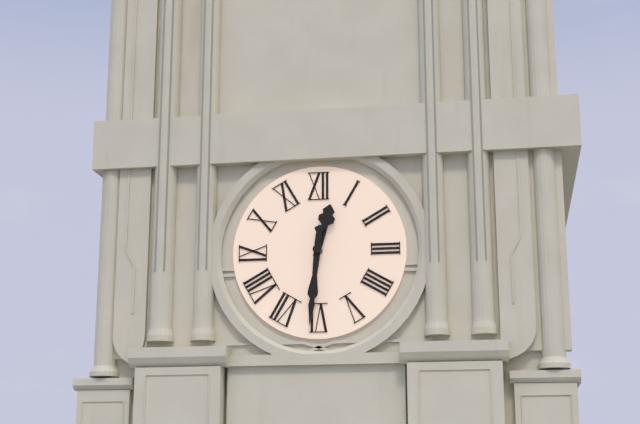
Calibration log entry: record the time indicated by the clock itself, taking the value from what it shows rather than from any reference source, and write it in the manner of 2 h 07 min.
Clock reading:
12 h 31 min
